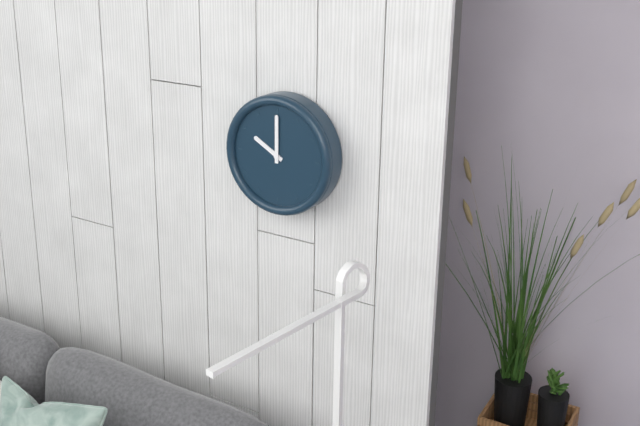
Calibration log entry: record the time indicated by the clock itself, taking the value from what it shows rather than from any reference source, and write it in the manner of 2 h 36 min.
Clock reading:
10 h 00 min
